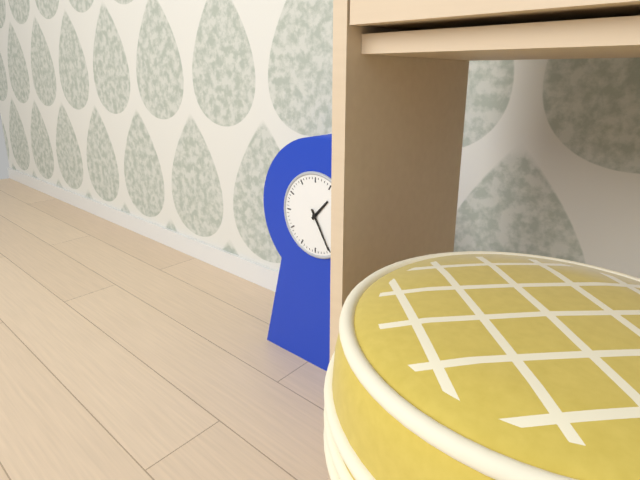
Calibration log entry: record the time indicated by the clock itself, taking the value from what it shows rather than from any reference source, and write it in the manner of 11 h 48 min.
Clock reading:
1 h 25 min
